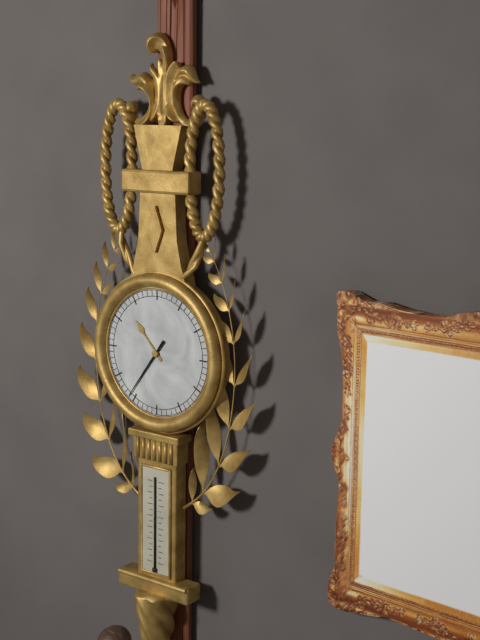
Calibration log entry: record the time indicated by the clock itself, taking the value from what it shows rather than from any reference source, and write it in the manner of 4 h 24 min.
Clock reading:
10 h 36 min
